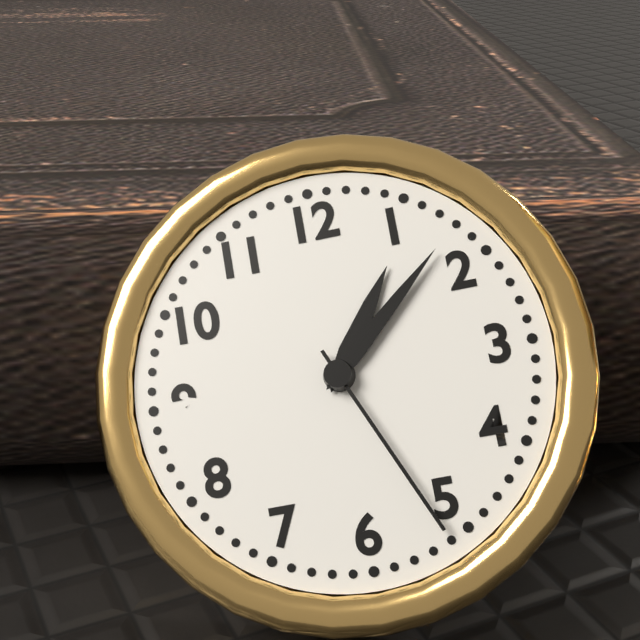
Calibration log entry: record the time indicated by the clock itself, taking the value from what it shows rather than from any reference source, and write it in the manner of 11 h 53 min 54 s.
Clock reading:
1 h 08 min 26 s
